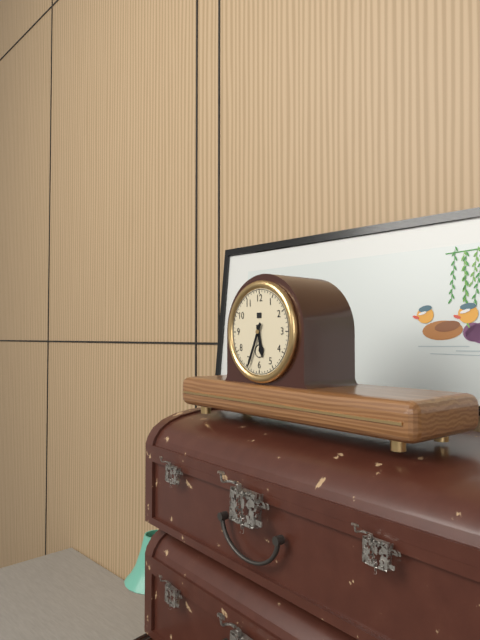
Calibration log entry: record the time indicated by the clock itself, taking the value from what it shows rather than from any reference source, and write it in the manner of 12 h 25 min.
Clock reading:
5 h 34 min
